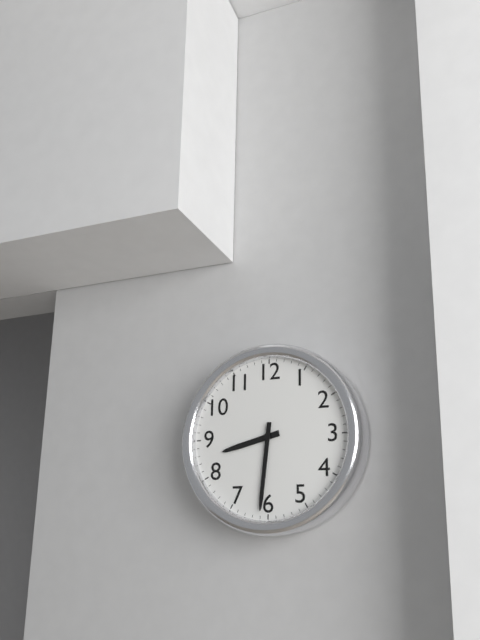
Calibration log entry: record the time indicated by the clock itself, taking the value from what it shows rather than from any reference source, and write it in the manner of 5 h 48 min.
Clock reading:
8 h 31 min
